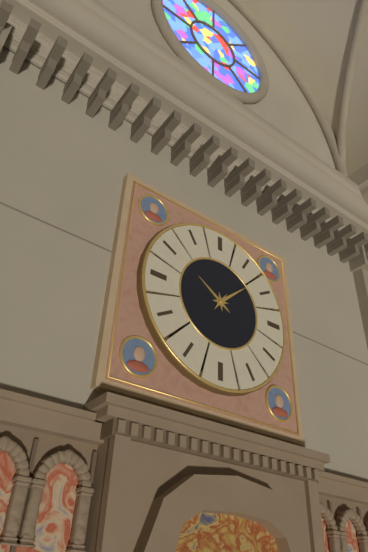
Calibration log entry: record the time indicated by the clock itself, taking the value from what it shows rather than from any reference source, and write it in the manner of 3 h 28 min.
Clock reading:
10 h 08 min
